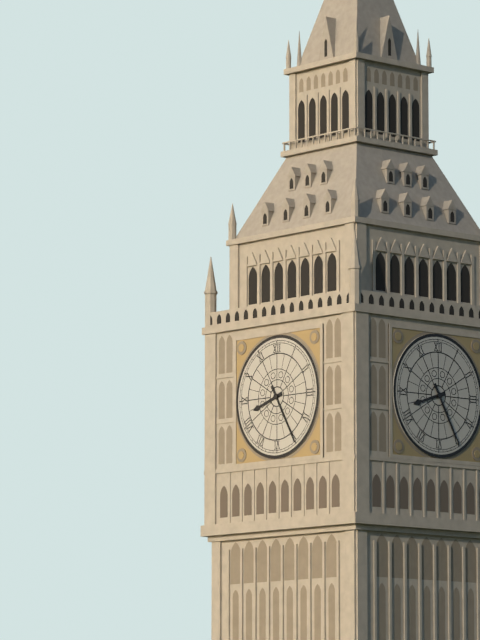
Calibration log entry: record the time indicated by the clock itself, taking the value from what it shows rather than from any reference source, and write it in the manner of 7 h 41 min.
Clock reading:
8 h 25 min
